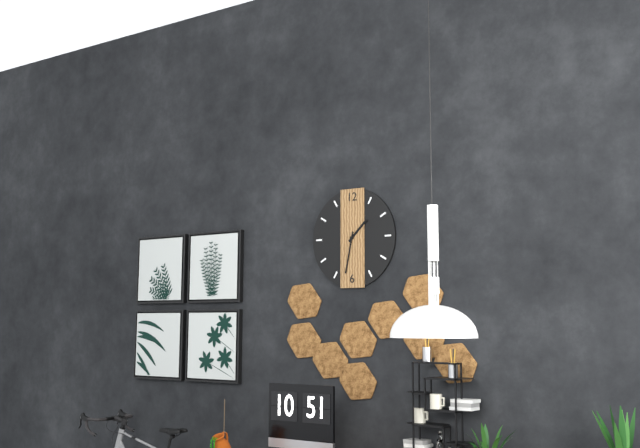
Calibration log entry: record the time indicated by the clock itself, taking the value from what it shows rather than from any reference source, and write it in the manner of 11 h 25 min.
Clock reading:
1 h 32 min
